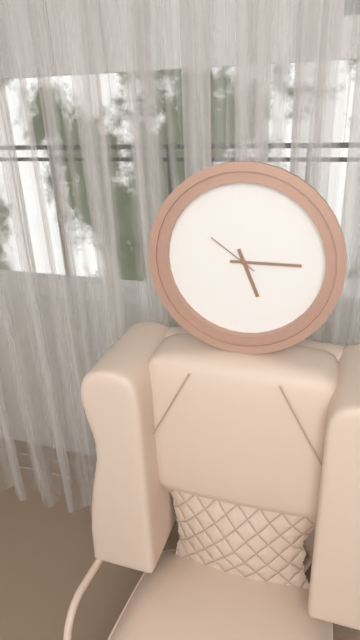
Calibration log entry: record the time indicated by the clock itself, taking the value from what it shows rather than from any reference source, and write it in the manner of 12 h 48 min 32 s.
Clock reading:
5 h 15 min 51 s
